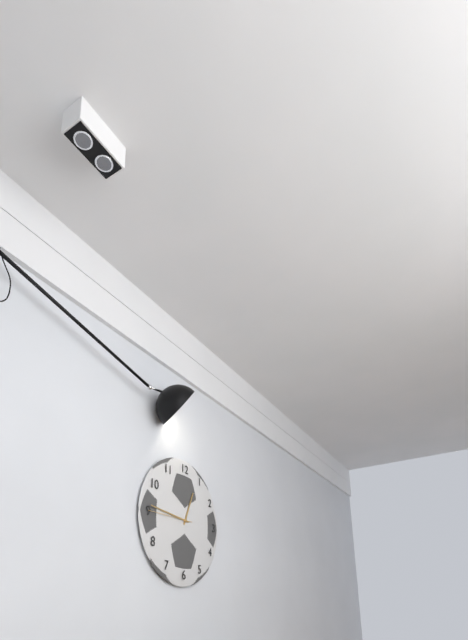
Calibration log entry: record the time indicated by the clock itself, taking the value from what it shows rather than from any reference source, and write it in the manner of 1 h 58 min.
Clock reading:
12 h 46 min
